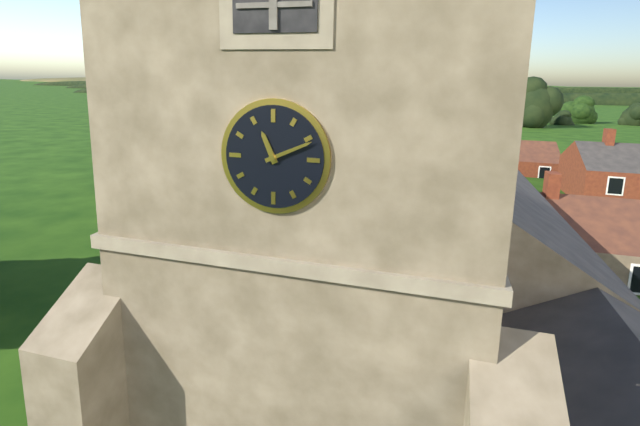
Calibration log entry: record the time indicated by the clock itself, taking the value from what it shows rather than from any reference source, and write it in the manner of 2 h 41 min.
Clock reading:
11 h 11 min
